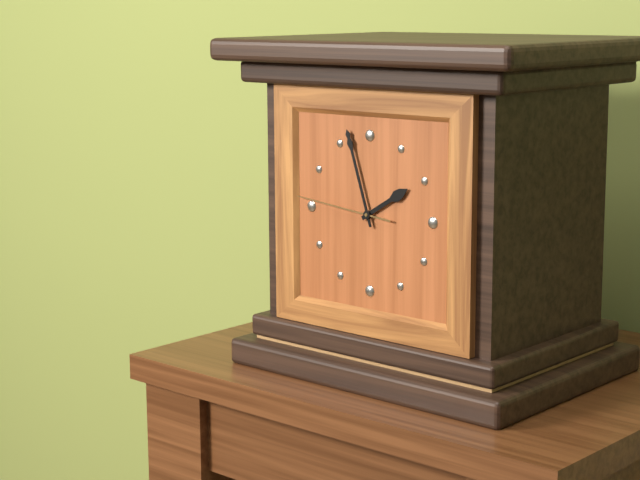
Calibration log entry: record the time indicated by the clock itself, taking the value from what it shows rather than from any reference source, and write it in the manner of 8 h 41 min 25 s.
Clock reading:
1 h 57 min 46 s
